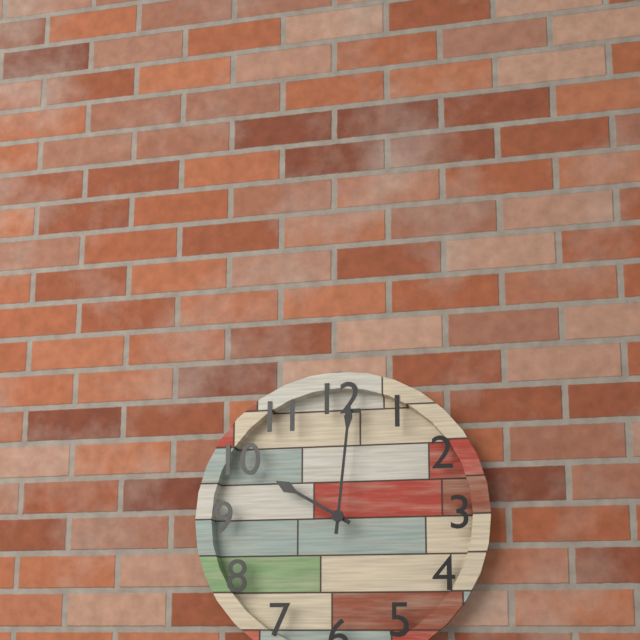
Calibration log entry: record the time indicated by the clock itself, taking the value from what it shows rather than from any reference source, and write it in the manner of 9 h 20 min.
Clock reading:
10 h 01 min
